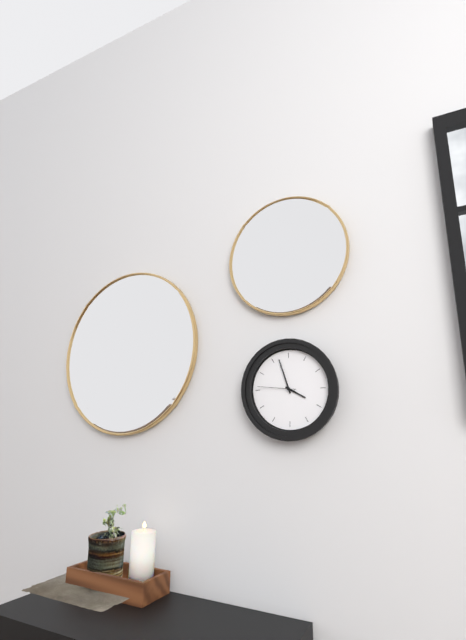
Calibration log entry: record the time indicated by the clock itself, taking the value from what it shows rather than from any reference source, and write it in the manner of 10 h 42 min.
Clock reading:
3 h 57 min
